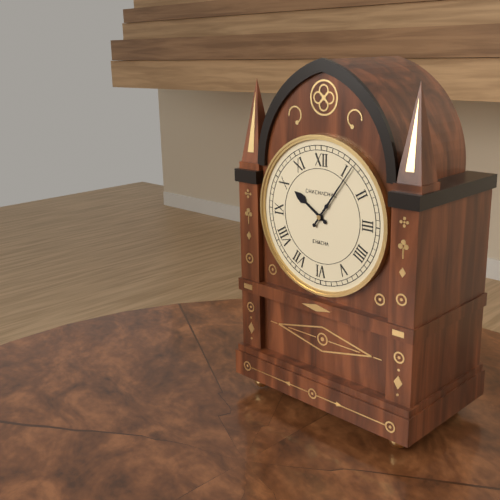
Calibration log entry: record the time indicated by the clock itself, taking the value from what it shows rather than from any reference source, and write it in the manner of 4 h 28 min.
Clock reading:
10 h 06 min
